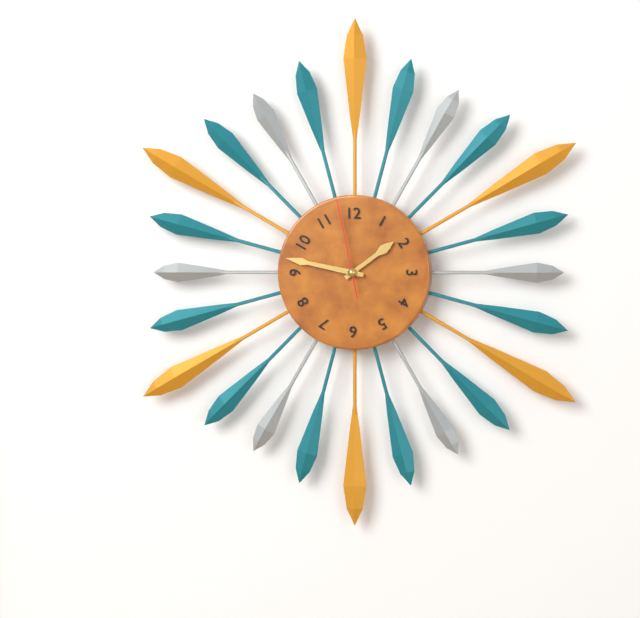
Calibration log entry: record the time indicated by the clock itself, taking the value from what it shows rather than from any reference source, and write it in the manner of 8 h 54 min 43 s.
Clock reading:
1 h 47 min 58 s
